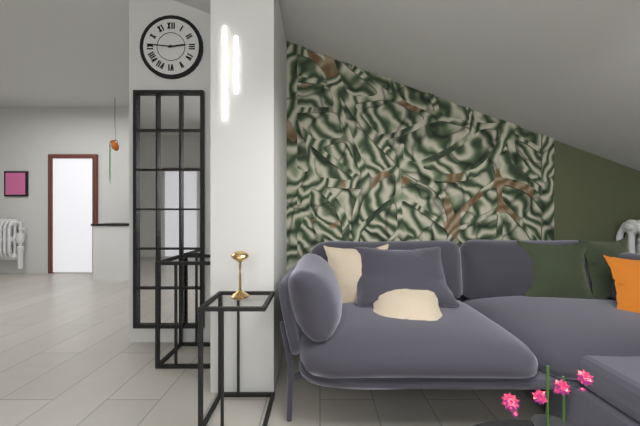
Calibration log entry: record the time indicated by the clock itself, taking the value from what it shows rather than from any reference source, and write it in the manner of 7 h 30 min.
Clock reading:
2 h 46 min
